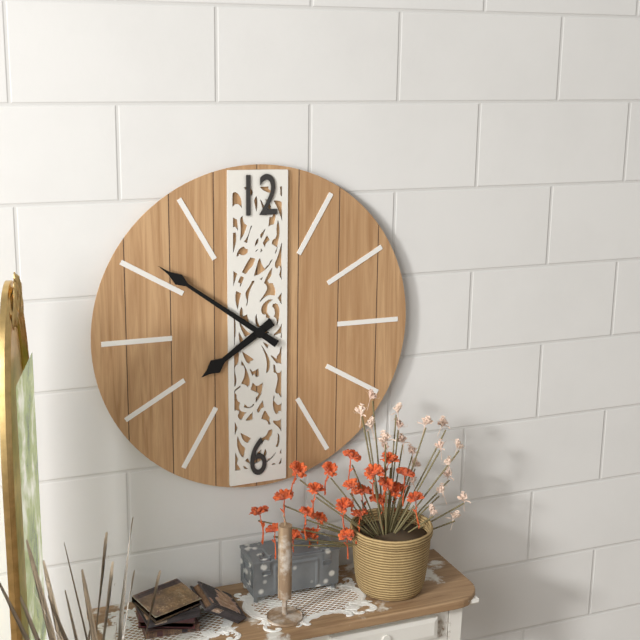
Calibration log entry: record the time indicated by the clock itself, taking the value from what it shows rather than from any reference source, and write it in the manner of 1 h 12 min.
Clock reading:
7 h 51 min
